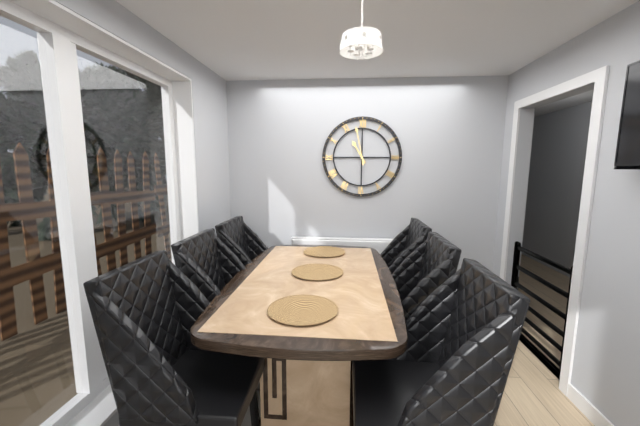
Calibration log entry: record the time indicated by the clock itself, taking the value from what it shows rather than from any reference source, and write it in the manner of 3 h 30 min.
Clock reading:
10 h 58 min
